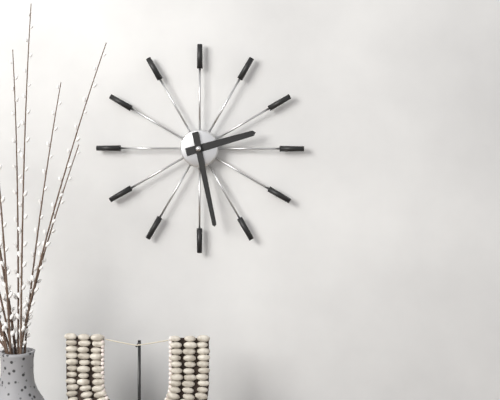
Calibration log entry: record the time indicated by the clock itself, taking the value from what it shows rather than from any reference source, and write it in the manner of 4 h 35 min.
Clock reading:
2 h 28 min
